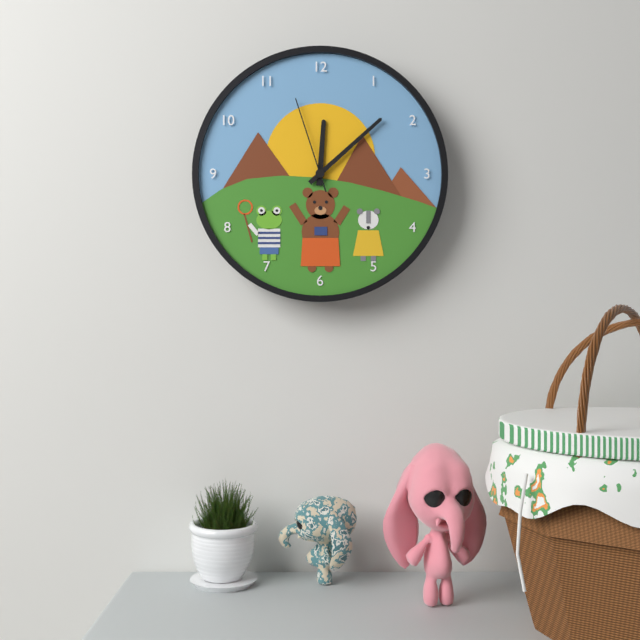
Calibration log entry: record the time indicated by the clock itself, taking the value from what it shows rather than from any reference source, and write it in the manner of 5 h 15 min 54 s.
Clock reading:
12 h 08 min 57 s
